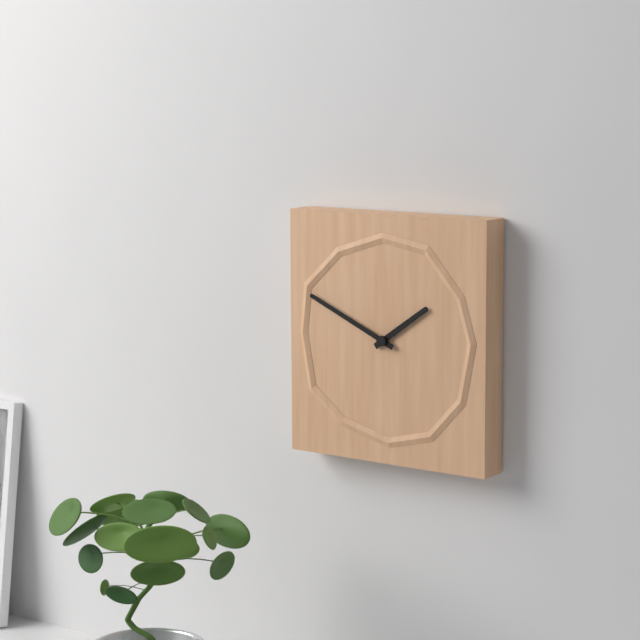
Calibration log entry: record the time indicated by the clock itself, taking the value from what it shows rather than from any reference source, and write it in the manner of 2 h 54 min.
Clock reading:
1 h 49 min
